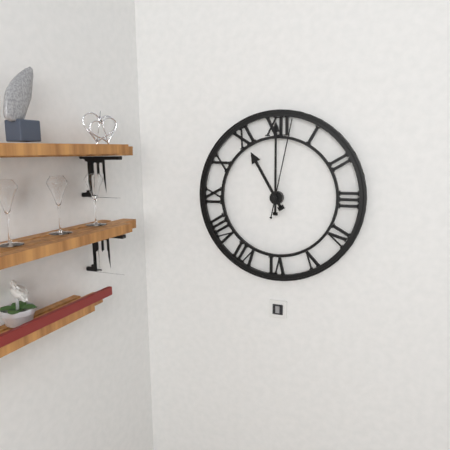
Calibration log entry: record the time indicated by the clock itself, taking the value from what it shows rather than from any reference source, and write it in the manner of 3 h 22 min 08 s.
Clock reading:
11 h 00 min 02 s
